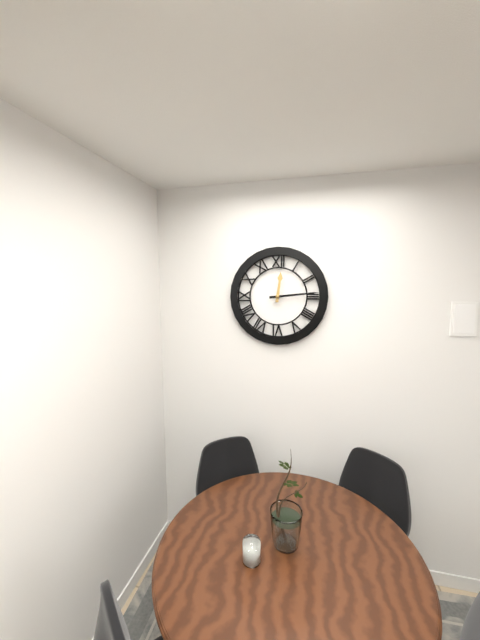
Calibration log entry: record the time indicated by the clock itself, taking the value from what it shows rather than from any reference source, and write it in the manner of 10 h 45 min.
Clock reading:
12 h 14 min
